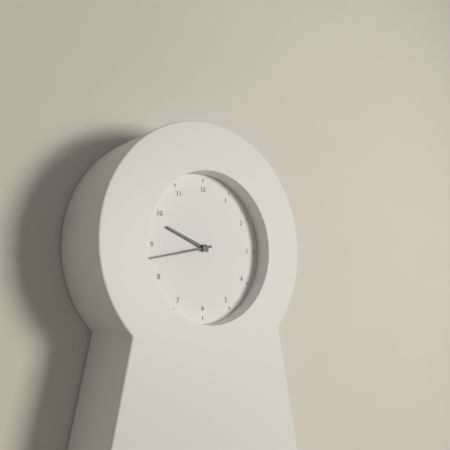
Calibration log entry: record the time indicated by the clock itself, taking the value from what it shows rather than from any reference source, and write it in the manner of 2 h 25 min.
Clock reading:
9 h 43 min
